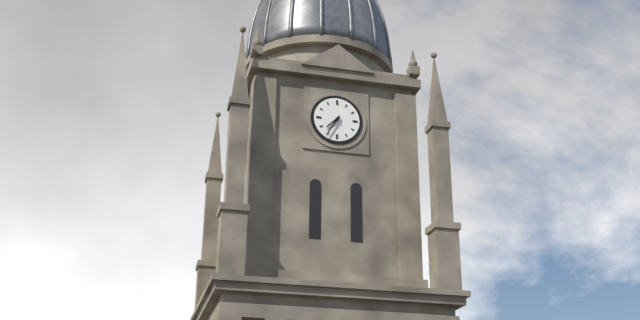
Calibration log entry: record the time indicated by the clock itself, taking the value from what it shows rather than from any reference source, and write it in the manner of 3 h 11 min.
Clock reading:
7 h 35 min
